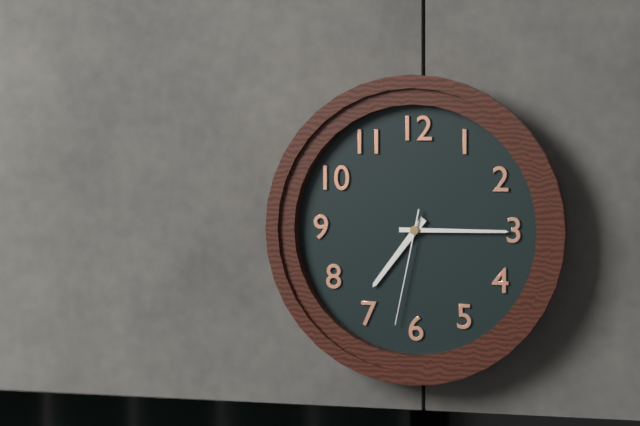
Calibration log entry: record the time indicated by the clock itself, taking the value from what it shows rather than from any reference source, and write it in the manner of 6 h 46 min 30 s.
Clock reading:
7 h 15 min 32 s
